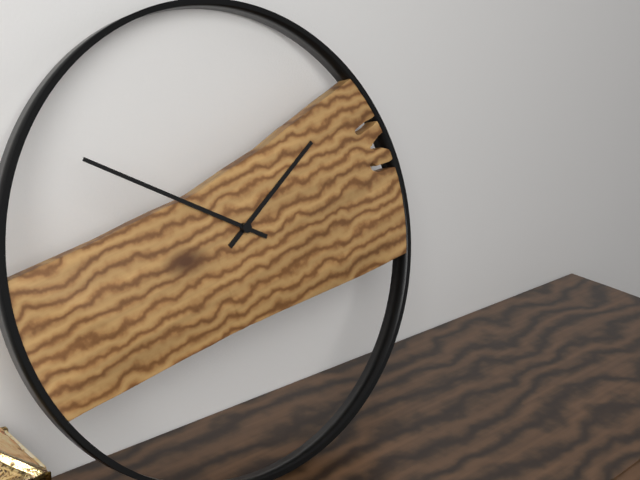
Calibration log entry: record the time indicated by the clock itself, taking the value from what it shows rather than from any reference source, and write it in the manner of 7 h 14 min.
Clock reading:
1 h 50 min
